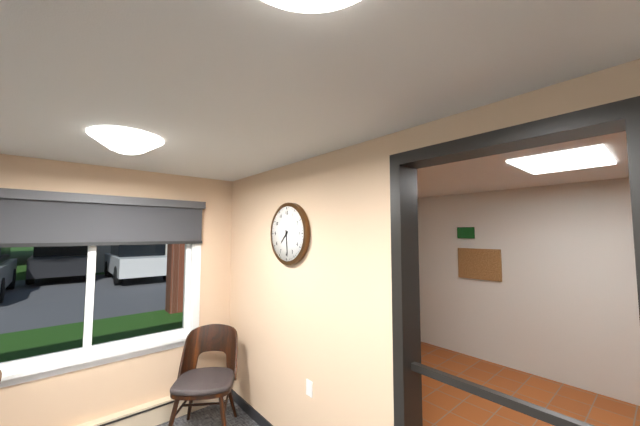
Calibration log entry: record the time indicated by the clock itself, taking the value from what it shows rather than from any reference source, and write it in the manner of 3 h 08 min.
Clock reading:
7 h 29 min
